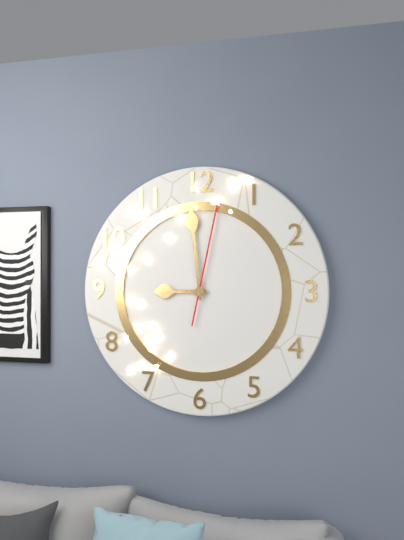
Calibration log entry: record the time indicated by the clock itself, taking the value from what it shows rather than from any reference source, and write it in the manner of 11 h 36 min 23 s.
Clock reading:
8 h 59 min 02 s
